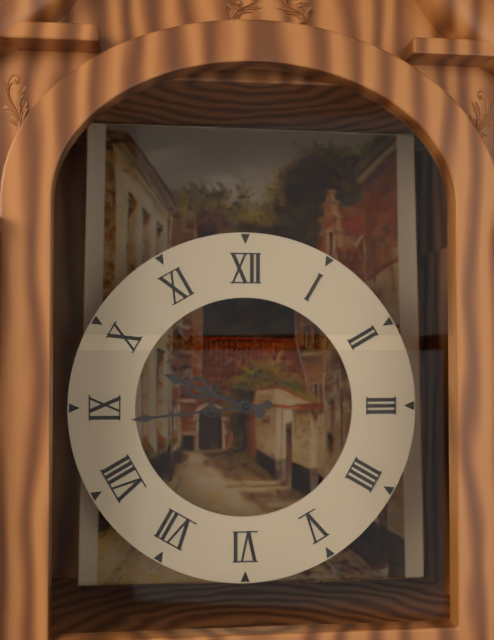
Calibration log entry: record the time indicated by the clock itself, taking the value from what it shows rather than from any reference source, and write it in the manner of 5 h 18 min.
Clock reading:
9 h 44 min
